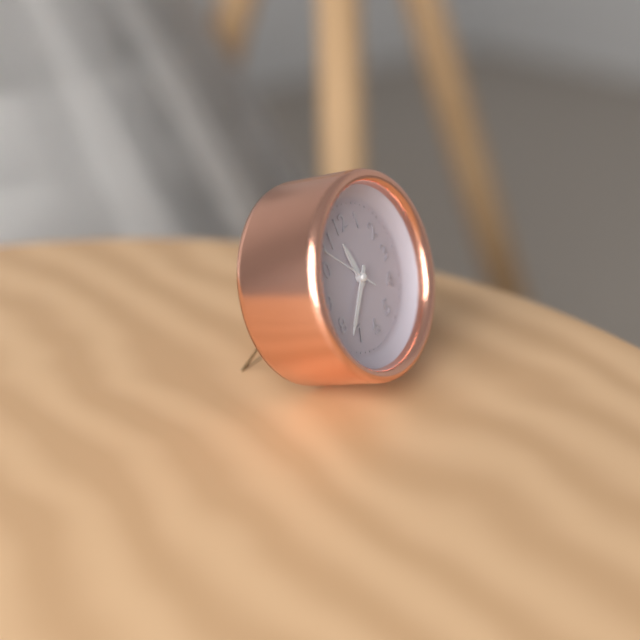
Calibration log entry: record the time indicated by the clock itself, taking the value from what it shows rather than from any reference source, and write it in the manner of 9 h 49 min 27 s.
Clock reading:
11 h 38 min 53 s
